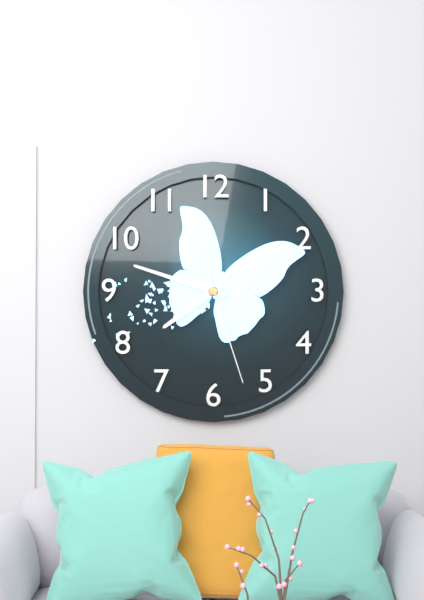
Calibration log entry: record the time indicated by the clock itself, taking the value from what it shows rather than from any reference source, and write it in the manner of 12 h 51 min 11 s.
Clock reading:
7 h 48 min 27 s
